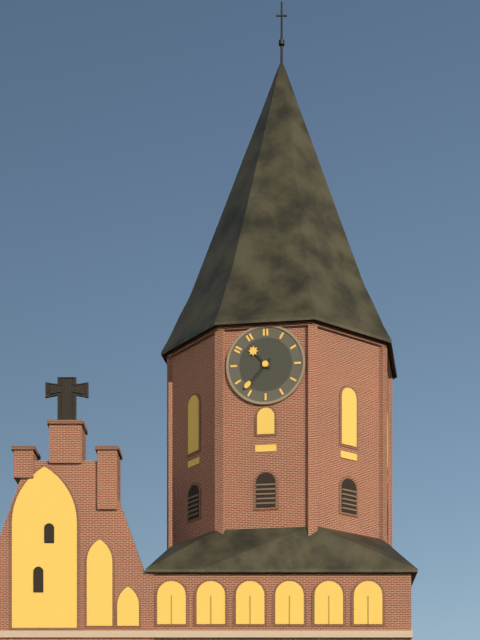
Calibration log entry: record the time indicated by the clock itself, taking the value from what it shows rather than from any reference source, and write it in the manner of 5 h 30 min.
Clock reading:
10 h 37 min
